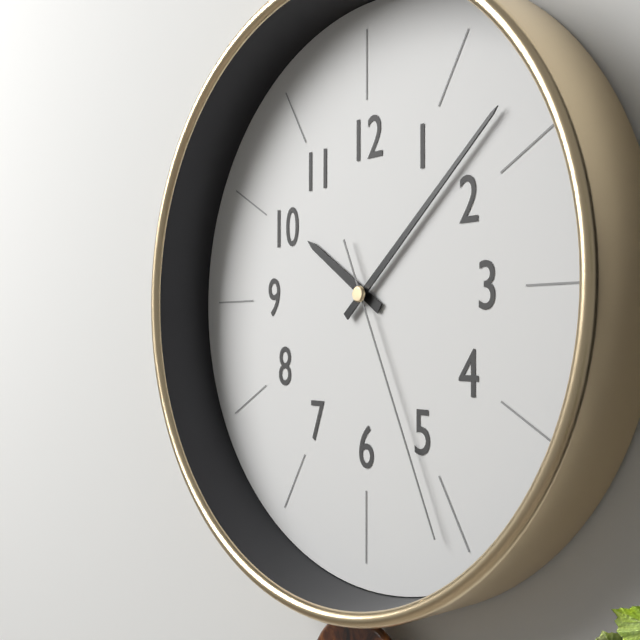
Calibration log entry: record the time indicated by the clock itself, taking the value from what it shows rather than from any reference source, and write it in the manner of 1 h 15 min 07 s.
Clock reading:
10 h 08 min 26 s
